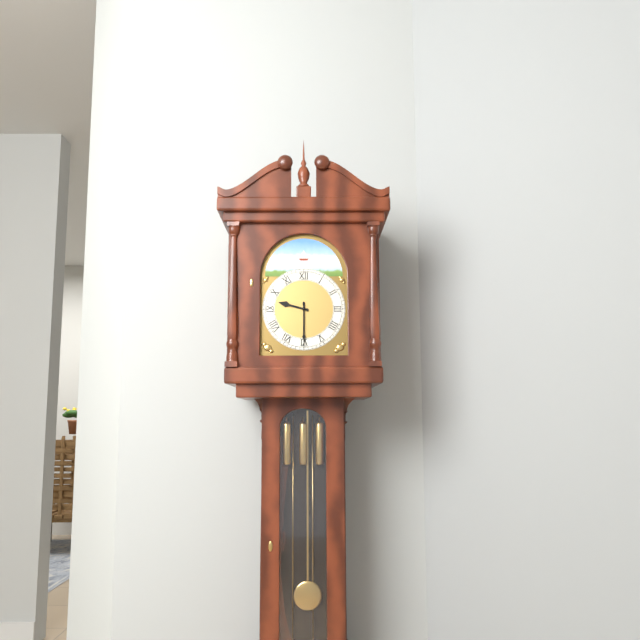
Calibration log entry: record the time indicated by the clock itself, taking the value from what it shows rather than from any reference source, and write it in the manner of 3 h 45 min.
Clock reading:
9 h 30 min
